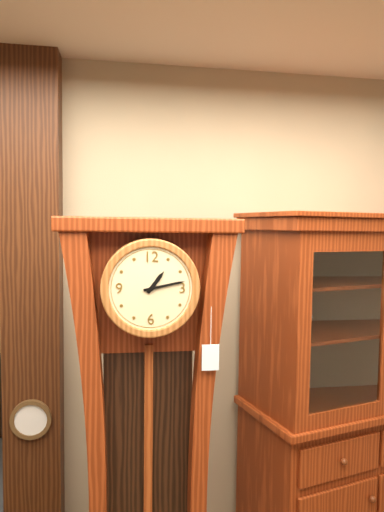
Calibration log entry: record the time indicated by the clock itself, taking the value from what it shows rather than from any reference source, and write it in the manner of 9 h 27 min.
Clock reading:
1 h 13 min
